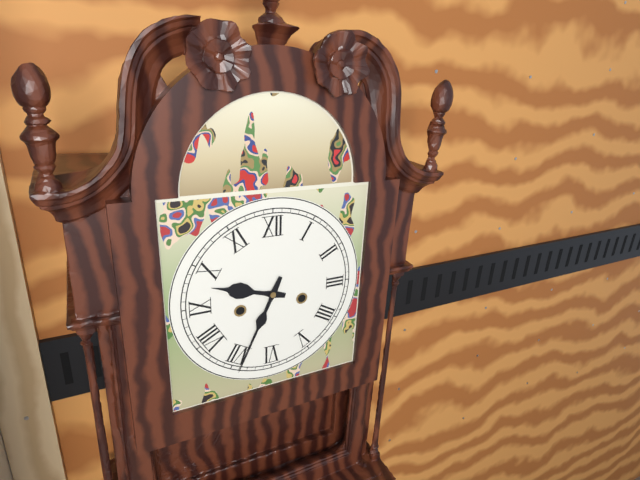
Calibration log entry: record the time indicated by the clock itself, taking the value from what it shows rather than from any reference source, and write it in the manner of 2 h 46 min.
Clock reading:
9 h 34 min
